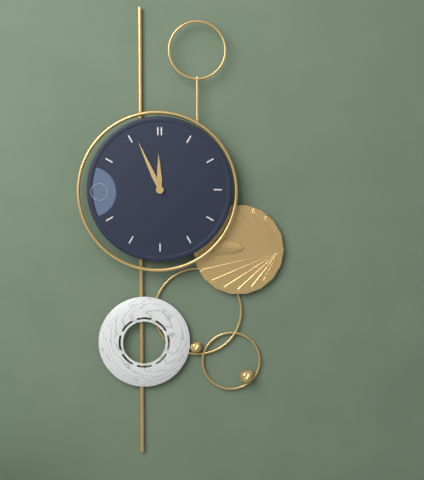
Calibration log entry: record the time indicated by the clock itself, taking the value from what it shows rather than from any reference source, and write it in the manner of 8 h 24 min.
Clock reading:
11 h 56 min
